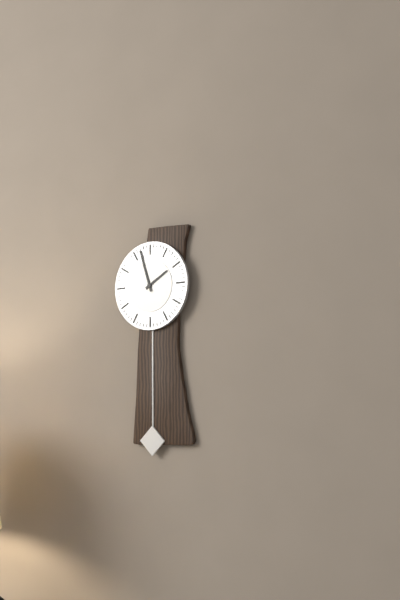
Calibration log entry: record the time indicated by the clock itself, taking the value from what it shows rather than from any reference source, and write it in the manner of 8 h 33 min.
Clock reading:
1 h 57 min
